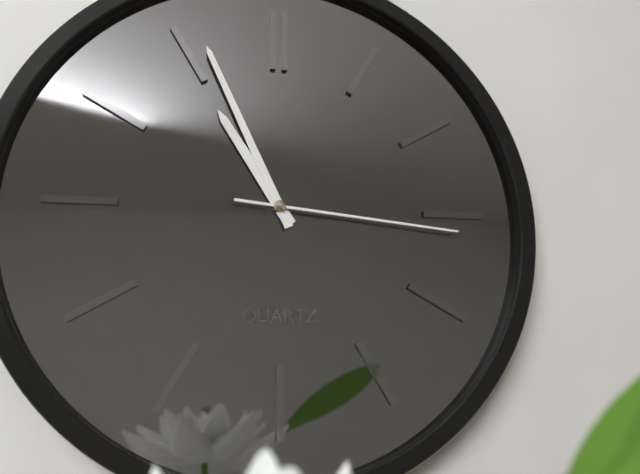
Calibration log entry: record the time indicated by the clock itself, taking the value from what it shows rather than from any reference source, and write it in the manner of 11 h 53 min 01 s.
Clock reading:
10 h 56 min 16 s
